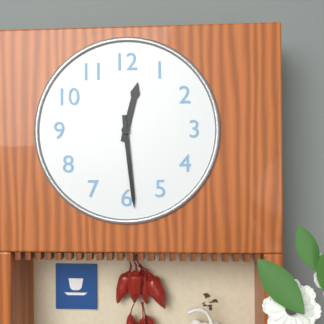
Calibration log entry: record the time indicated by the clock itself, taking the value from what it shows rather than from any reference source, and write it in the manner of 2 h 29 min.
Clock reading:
12 h 29 min
